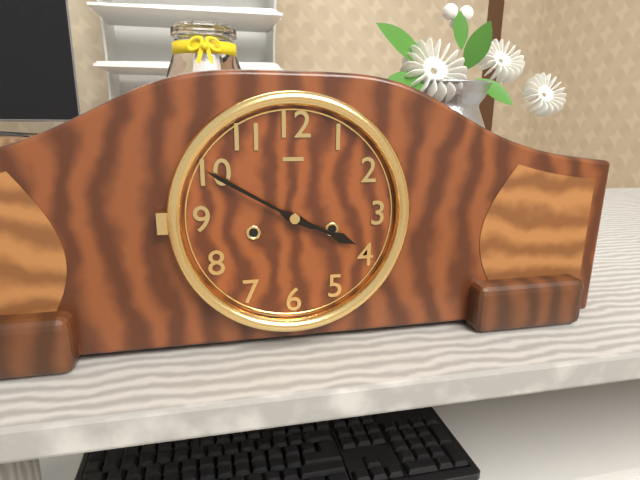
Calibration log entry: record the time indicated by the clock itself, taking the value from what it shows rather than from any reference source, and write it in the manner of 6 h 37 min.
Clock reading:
3 h 50 min
